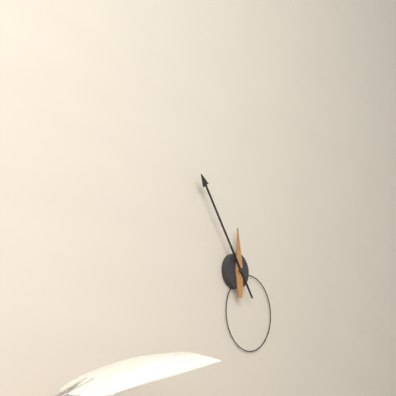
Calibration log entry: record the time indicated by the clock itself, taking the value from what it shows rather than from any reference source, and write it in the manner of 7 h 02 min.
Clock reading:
11 h 54 min
